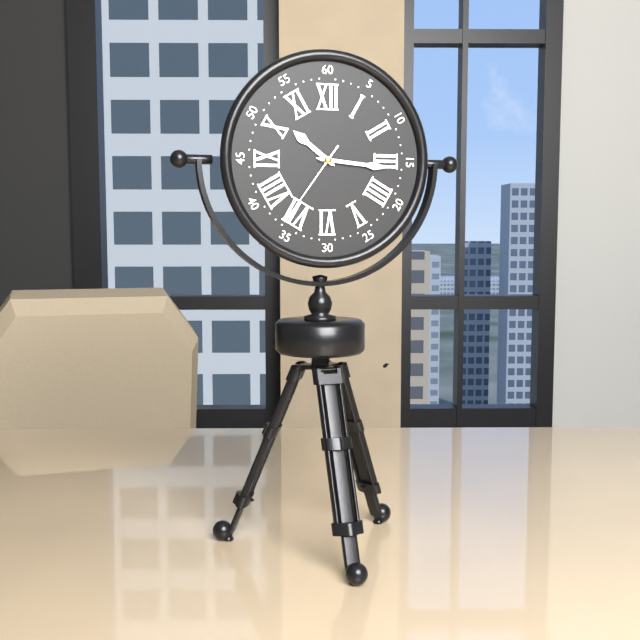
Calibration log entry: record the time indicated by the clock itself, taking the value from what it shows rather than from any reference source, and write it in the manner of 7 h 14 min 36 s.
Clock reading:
10 h 16 min 36 s
